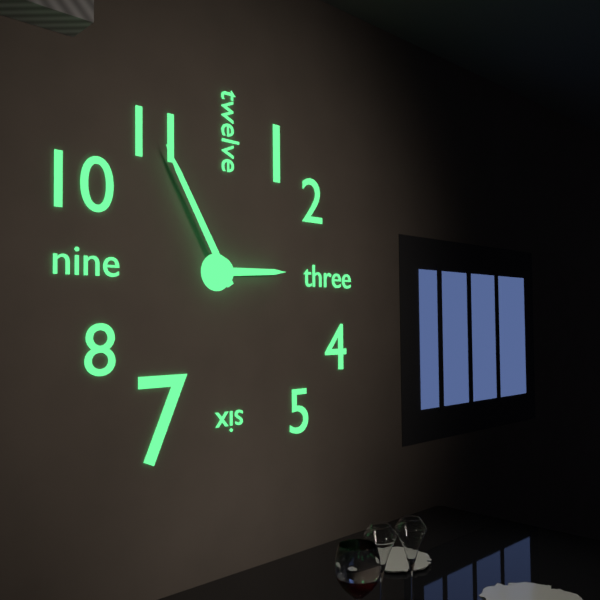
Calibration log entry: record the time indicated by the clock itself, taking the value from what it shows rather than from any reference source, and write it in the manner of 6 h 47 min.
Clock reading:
2 h 55 min
